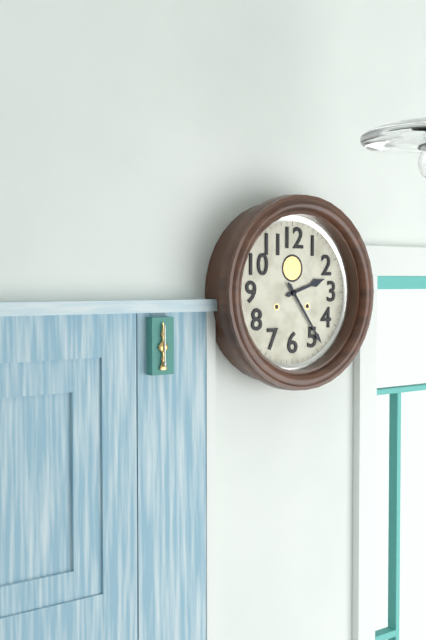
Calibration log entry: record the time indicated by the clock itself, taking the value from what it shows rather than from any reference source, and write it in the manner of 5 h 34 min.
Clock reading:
2 h 24 min
